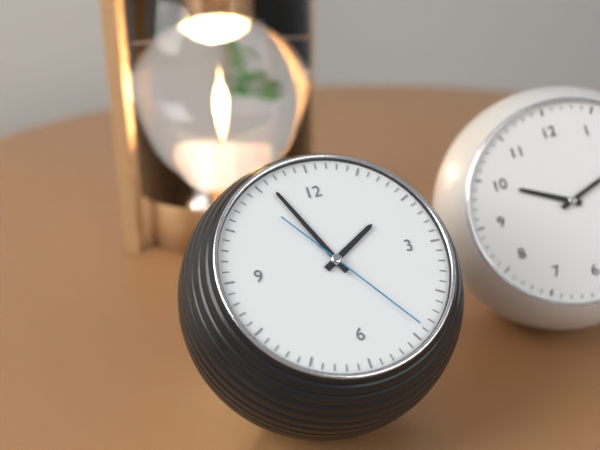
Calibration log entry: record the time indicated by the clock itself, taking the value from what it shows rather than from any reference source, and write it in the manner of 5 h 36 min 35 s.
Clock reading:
1 h 56 min 24 s
